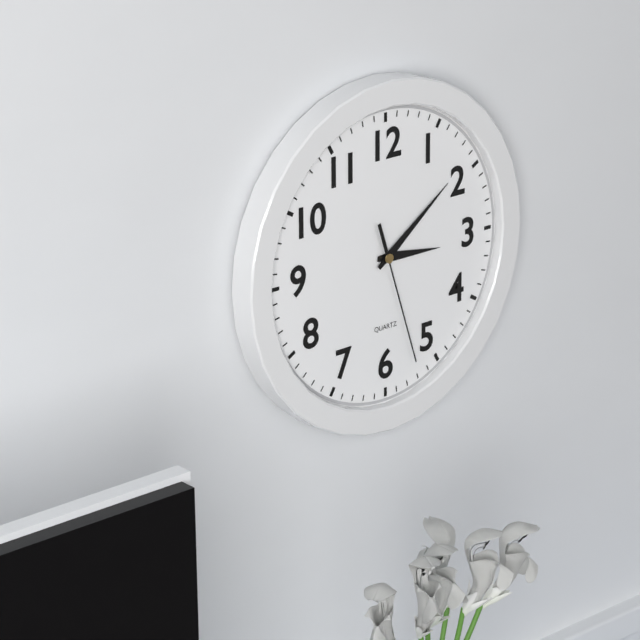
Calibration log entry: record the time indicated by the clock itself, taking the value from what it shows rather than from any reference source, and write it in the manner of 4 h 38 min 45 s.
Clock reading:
3 h 09 min 27 s
